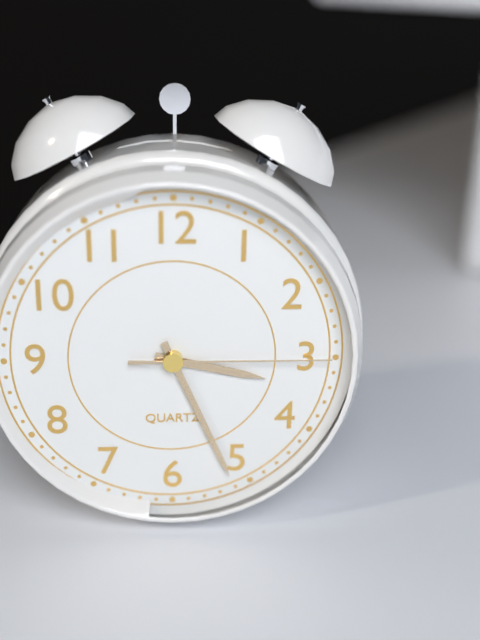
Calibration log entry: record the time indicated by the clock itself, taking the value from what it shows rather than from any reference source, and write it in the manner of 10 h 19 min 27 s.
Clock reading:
3 h 26 min 15 s
